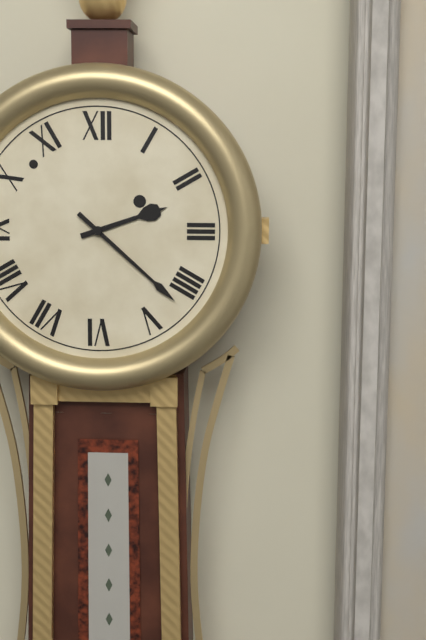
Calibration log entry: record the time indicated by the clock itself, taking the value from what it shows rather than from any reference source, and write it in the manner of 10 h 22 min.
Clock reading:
2 h 22 min
